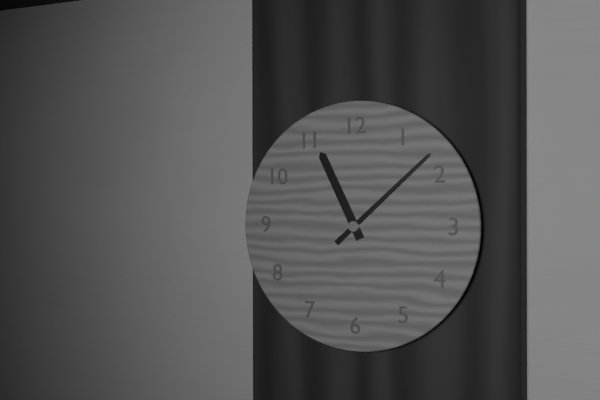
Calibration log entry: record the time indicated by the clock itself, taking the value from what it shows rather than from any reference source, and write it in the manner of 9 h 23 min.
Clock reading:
11 h 08 min
